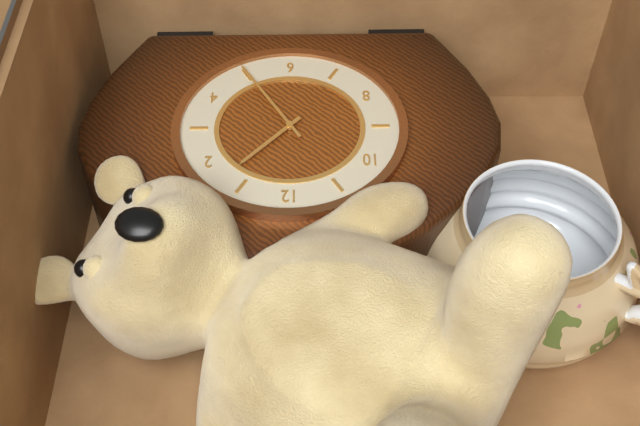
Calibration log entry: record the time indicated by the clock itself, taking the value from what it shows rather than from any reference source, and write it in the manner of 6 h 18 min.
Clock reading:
1 h 25 min
